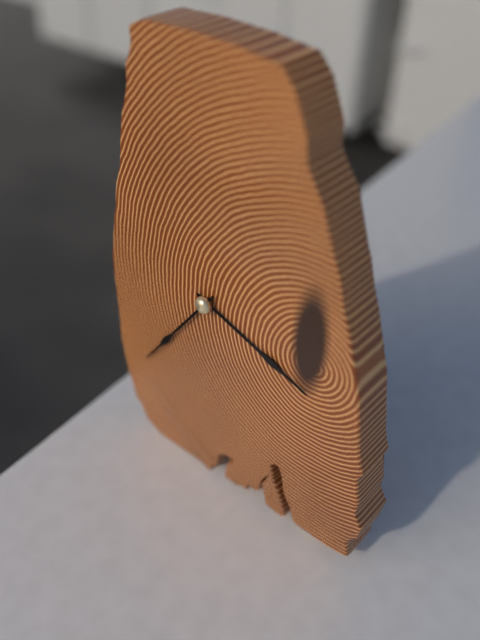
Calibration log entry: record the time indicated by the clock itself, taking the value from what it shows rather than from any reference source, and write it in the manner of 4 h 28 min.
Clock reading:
3 h 36 min
